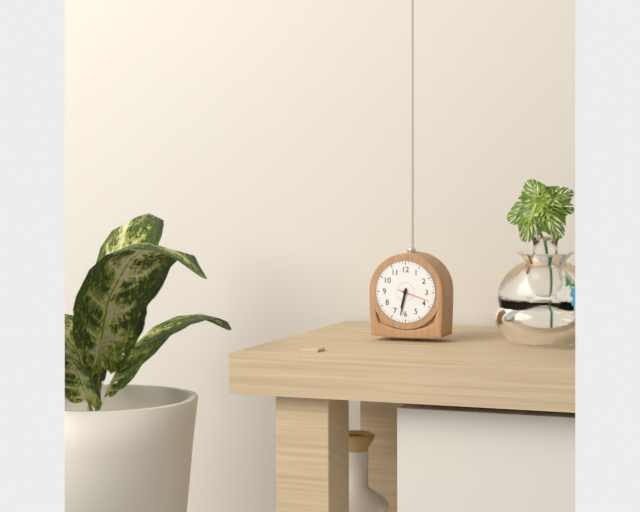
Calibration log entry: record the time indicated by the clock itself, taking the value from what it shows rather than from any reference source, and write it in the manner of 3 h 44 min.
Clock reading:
6 h 32 min
